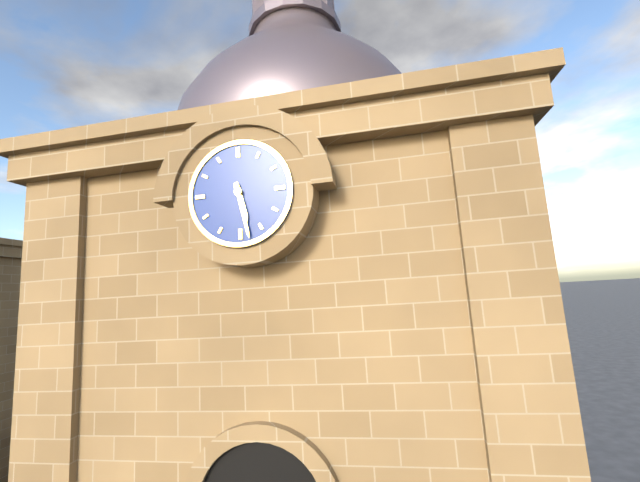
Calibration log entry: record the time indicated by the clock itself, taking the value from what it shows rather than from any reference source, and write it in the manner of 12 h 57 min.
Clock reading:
5 h 28 min
